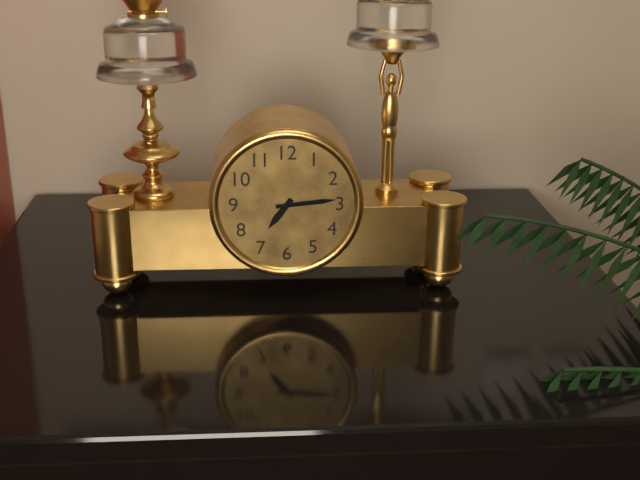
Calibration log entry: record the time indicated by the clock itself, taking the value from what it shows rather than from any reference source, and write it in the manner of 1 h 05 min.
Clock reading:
7 h 14 min
